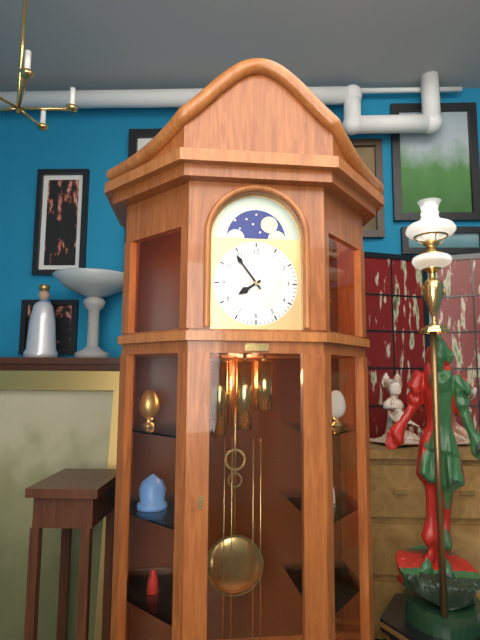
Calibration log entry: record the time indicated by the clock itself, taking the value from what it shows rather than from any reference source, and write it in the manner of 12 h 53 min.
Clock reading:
7 h 54 min
